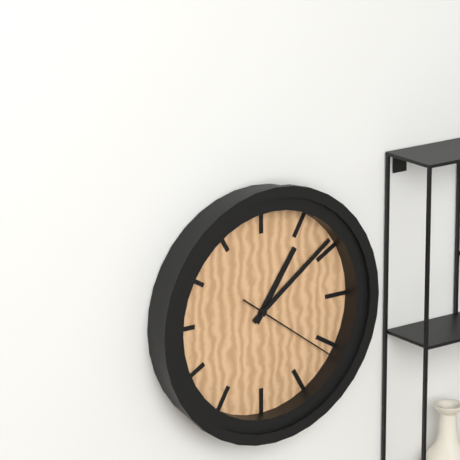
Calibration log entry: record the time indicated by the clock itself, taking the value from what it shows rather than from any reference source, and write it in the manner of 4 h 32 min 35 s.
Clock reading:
1 h 09 min 21 s
